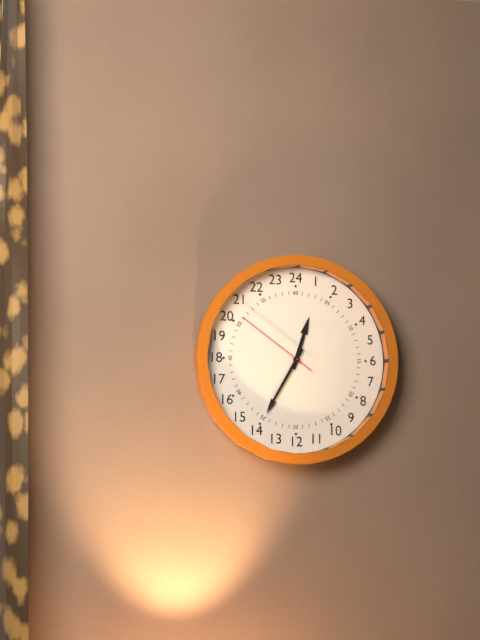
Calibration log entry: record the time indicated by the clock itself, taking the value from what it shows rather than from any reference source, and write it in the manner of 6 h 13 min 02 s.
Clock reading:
12 h 35 min 51 s
